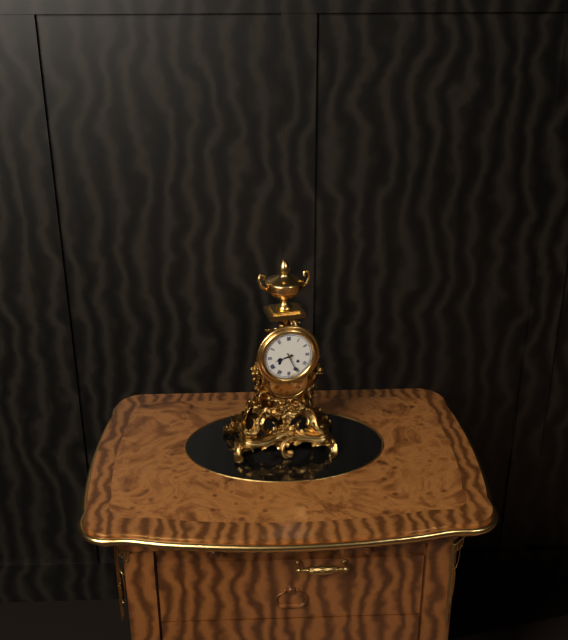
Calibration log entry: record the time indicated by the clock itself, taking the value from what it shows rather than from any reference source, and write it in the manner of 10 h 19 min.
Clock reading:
8 h 26 min
